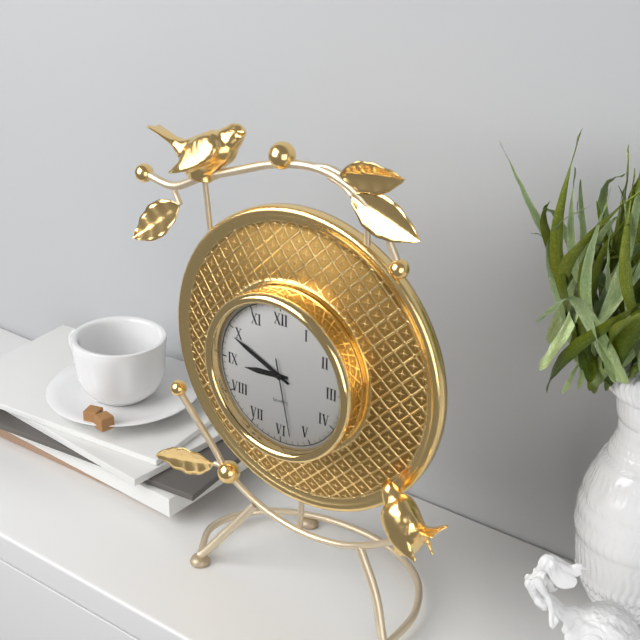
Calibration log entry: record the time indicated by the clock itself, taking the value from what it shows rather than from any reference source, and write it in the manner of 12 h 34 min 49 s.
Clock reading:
8 h 49 min 28 s
